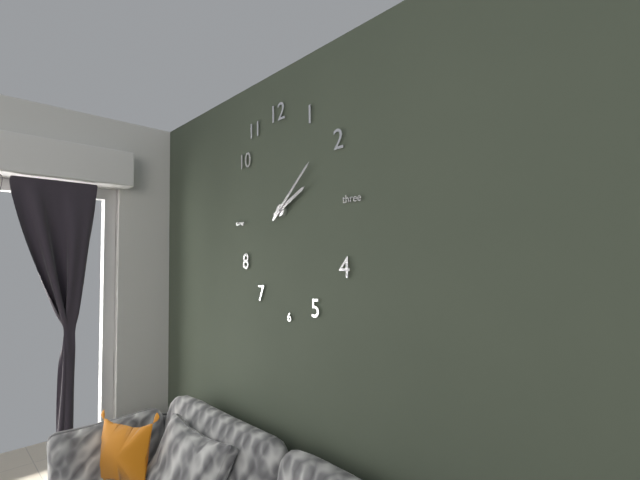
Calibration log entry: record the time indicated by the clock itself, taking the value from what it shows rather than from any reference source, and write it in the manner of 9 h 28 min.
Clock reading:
2 h 08 min
